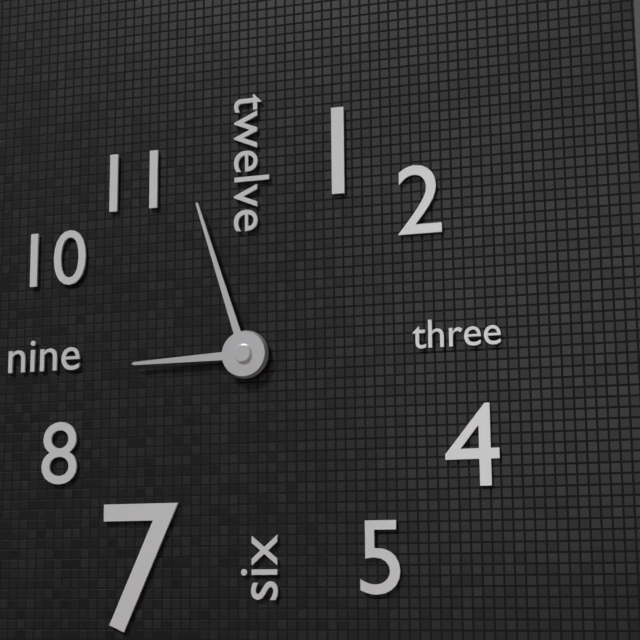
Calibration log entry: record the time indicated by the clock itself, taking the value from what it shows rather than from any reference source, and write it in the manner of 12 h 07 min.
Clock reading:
8 h 57 min
